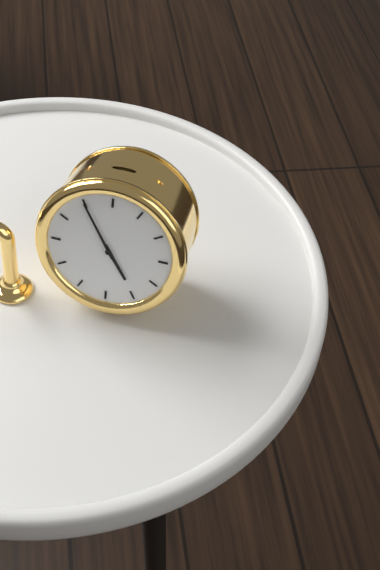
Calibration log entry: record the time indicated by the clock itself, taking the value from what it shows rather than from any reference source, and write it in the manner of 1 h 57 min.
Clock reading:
4 h 55 min
